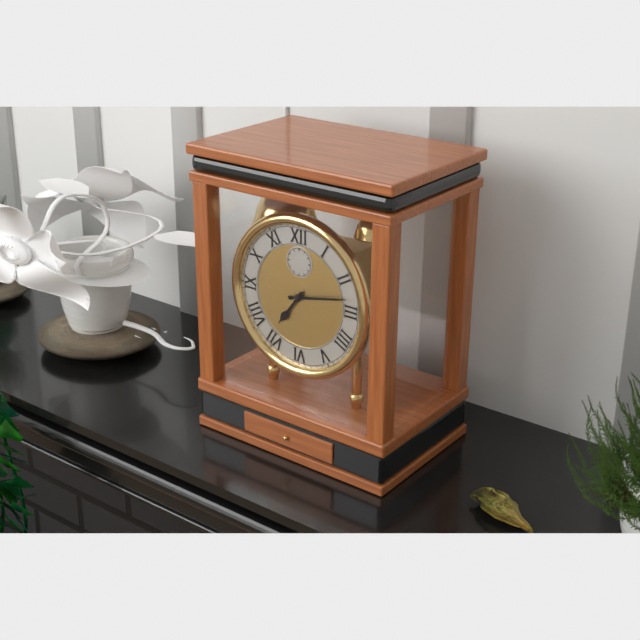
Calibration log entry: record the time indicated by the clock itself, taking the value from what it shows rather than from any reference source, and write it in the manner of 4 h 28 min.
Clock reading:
7 h 13 min
